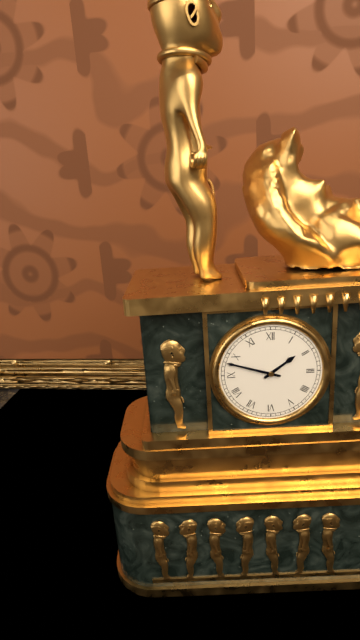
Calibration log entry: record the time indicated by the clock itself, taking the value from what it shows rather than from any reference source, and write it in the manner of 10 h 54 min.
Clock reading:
1 h 48 min
